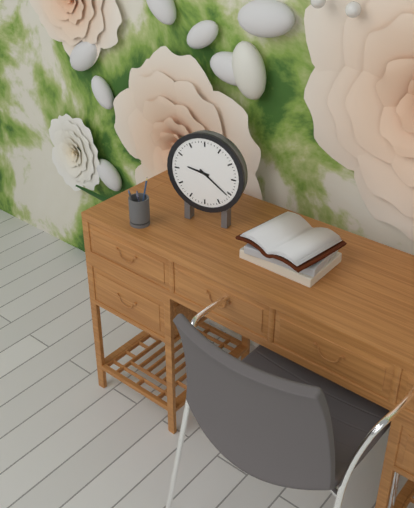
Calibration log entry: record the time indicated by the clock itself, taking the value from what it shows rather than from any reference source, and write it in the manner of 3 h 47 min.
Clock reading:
9 h 21 min
